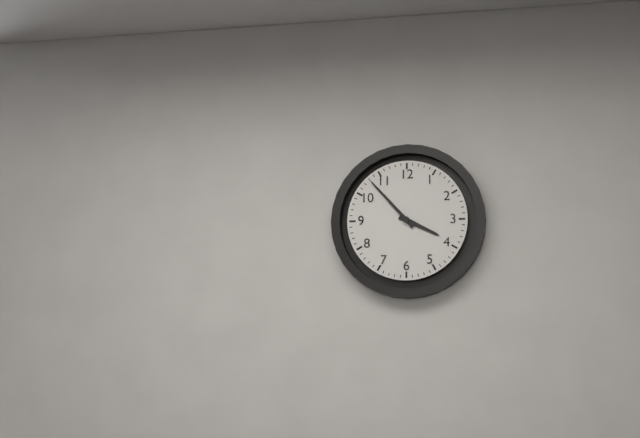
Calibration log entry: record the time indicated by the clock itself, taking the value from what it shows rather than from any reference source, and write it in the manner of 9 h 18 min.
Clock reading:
3 h 53 min
